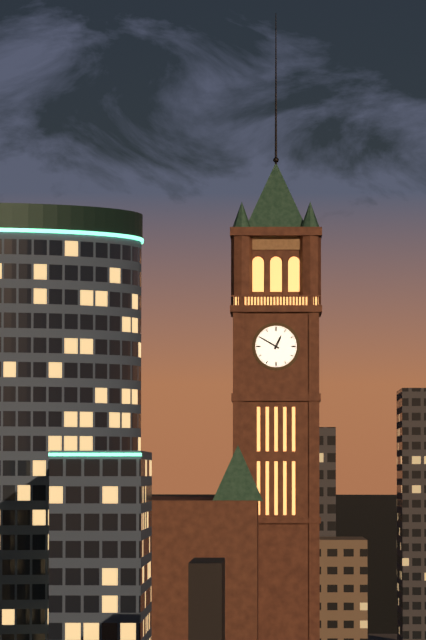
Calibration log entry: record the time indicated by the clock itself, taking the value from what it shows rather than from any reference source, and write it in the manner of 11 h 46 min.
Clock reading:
12 h 50 min
